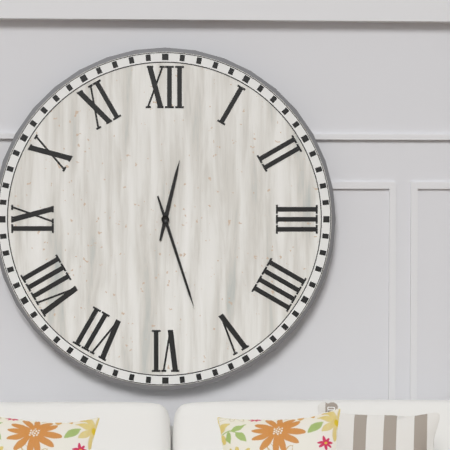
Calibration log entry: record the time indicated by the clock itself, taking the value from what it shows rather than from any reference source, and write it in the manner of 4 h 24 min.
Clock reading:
12 h 27 min
